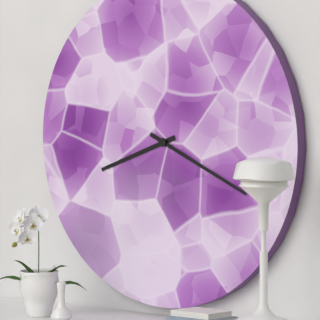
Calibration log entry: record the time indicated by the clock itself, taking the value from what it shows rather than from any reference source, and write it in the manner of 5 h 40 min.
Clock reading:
8 h 19 min
